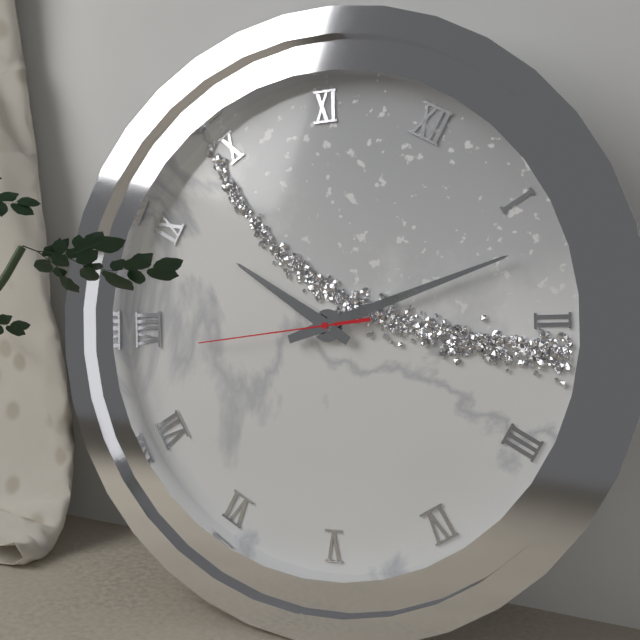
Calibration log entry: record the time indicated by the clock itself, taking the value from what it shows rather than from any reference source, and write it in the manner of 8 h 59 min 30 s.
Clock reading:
9 h 07 min 39 s
